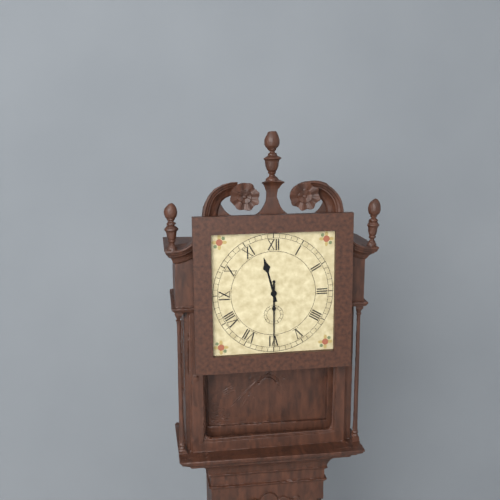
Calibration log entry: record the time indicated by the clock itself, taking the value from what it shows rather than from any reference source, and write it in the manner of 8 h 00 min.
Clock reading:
11 h 30 min
